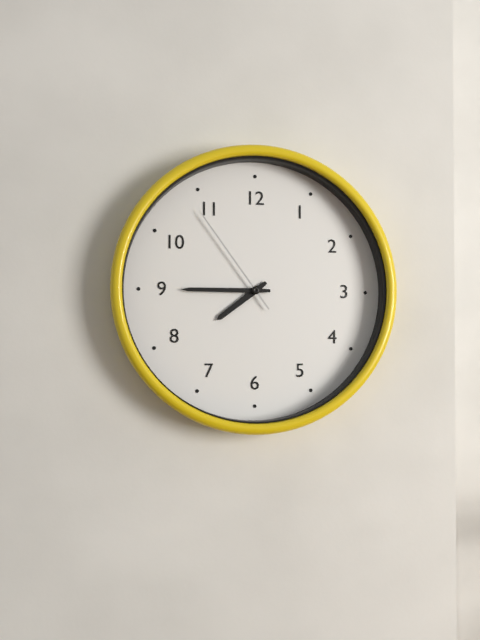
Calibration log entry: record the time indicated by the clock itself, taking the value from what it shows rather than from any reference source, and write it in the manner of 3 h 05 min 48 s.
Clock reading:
7 h 45 min 54 s
